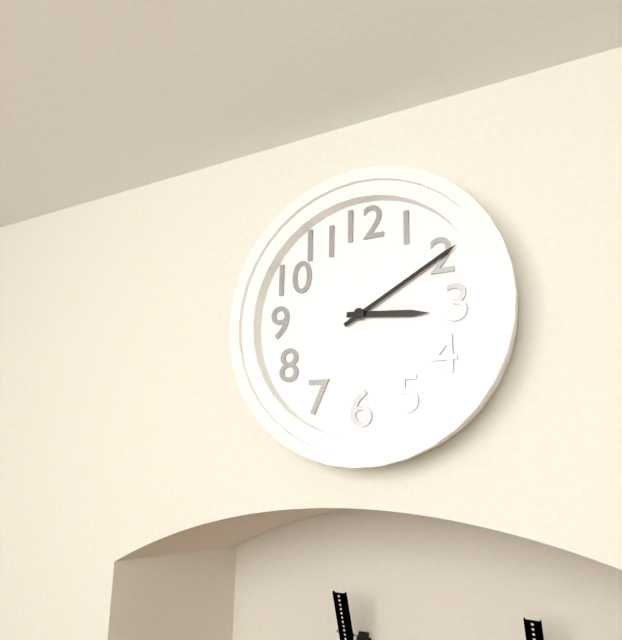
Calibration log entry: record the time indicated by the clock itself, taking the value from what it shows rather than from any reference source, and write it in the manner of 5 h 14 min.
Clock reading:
3 h 10 min
